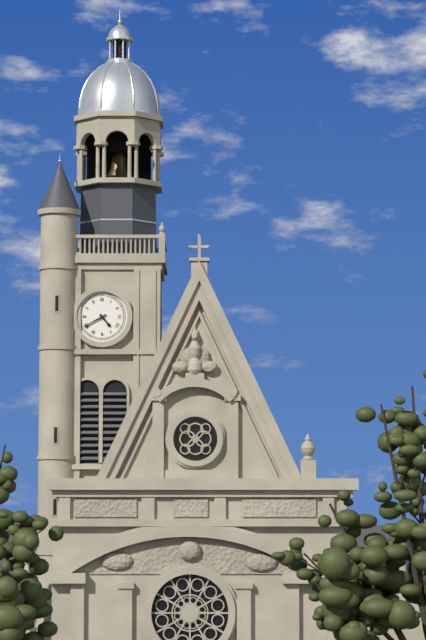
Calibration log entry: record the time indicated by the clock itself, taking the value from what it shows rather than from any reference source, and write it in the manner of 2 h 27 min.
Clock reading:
4 h 40 min
